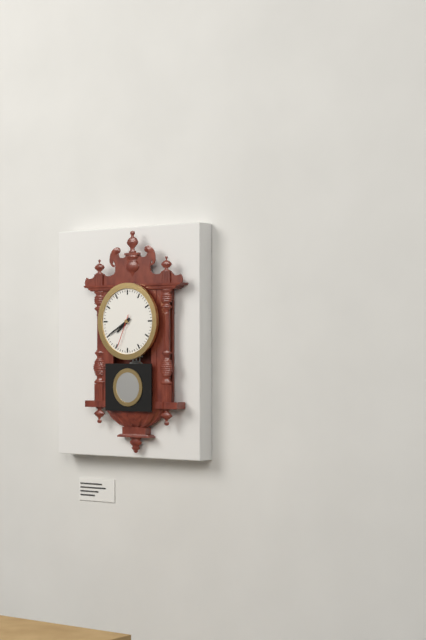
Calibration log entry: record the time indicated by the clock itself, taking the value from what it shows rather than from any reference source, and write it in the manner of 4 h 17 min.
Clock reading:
7 h 40 min
